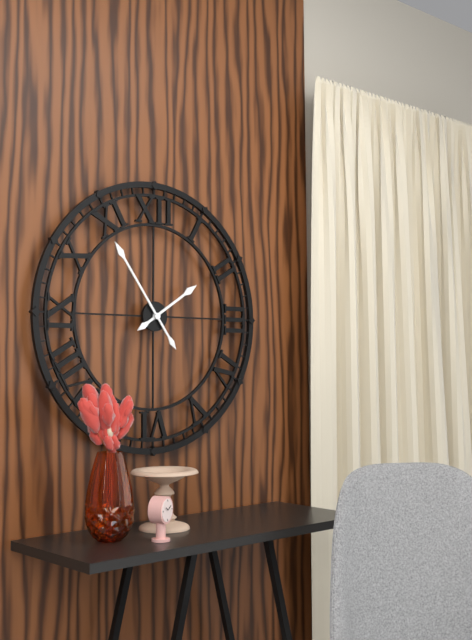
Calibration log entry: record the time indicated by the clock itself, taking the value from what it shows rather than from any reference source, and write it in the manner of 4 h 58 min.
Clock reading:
1 h 54 min
